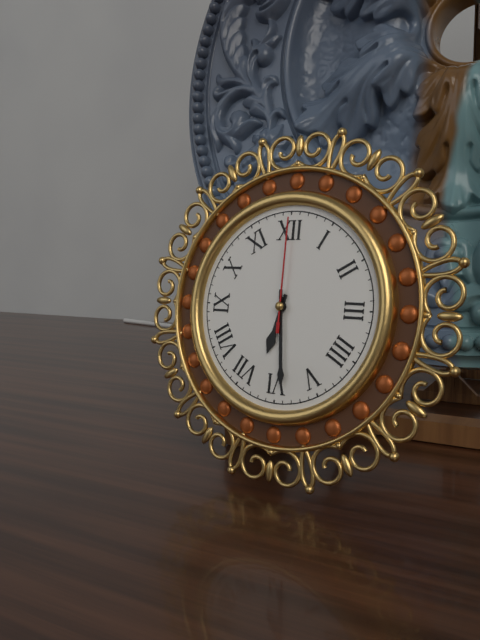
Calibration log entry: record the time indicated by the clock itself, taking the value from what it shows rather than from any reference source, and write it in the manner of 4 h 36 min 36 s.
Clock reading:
6 h 29 min 00 s
